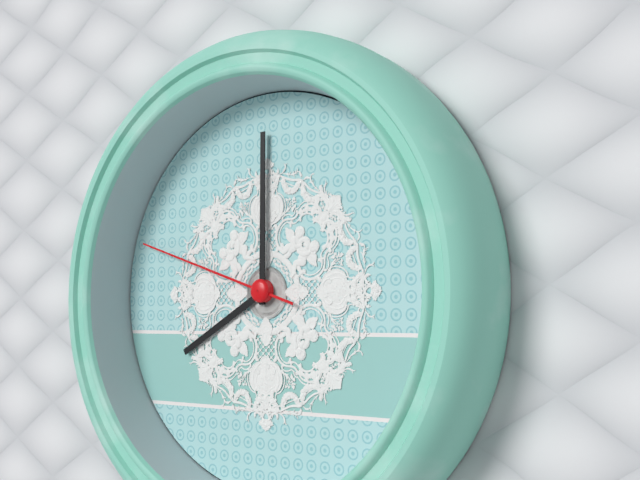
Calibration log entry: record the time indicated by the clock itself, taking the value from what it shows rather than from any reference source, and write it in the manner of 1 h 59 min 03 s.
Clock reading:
8 h 00 min 48 s
